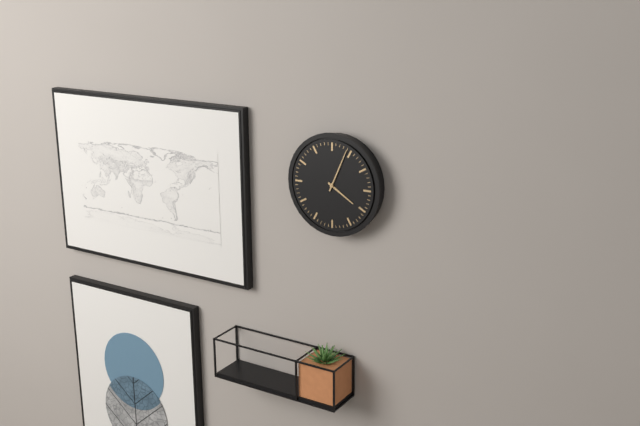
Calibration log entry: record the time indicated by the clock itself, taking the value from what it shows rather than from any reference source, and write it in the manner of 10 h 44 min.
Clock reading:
4 h 04 min
